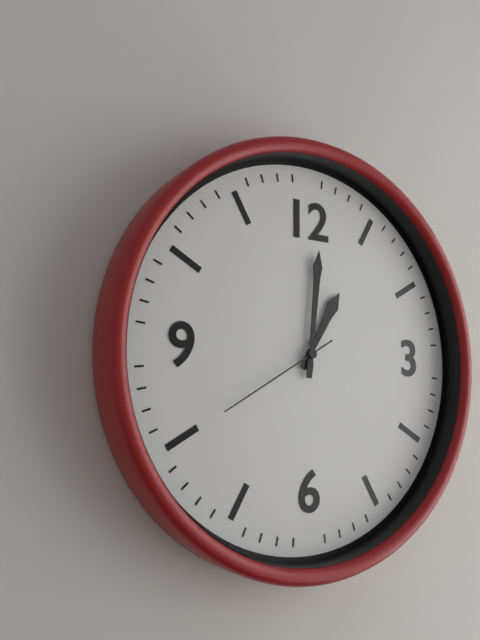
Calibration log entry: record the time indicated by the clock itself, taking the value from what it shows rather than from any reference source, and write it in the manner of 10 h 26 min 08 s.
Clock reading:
1 h 01 min 40 s
